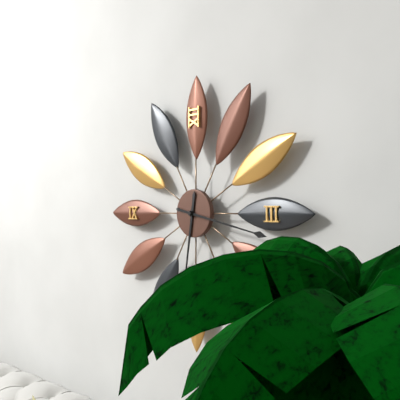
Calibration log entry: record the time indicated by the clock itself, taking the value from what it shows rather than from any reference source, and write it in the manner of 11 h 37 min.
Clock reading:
6 h 17 min
